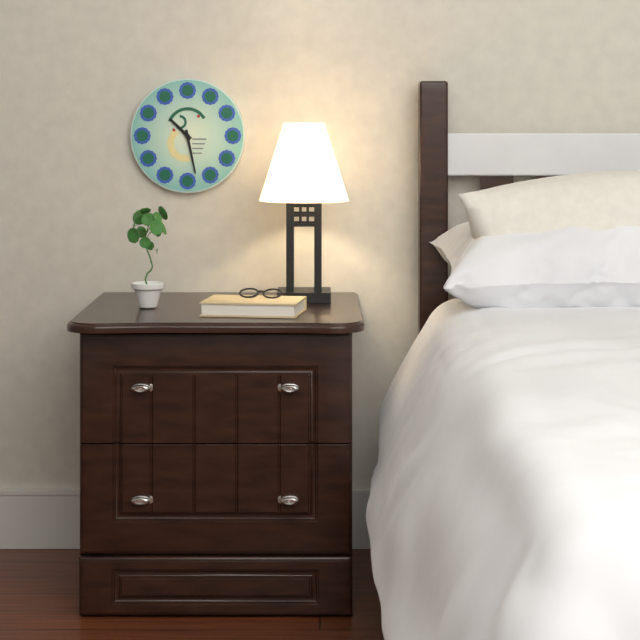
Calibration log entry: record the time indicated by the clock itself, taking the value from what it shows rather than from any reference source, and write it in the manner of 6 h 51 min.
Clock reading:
10 h 28 min
